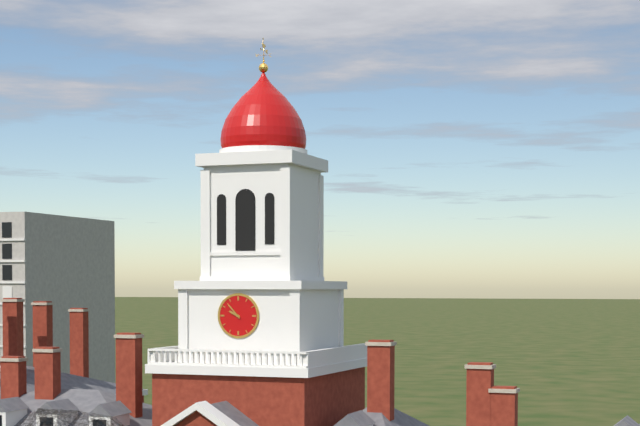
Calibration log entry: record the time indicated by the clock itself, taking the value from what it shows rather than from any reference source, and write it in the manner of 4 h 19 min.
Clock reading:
9 h 53 min
